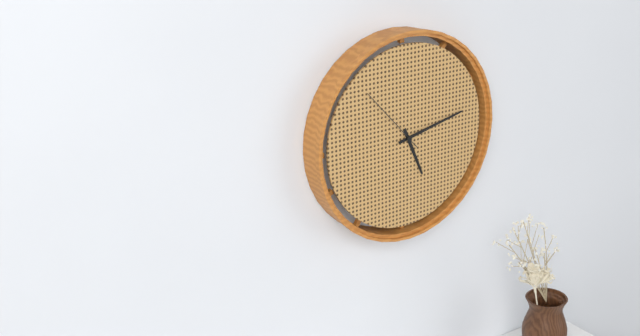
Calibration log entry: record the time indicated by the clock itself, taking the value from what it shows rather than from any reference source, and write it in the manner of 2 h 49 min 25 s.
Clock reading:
5 h 13 min 53 s
